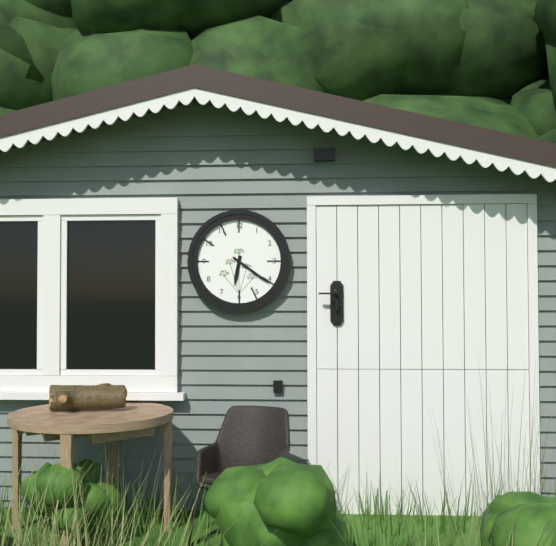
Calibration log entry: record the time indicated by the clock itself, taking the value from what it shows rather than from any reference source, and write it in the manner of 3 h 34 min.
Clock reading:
6 h 21 min
